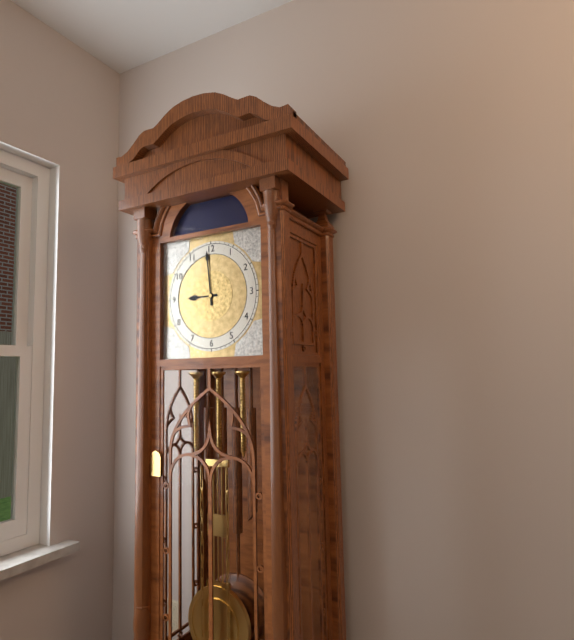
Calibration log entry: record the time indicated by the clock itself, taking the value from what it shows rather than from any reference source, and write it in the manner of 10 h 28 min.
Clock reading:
8 h 59 min
